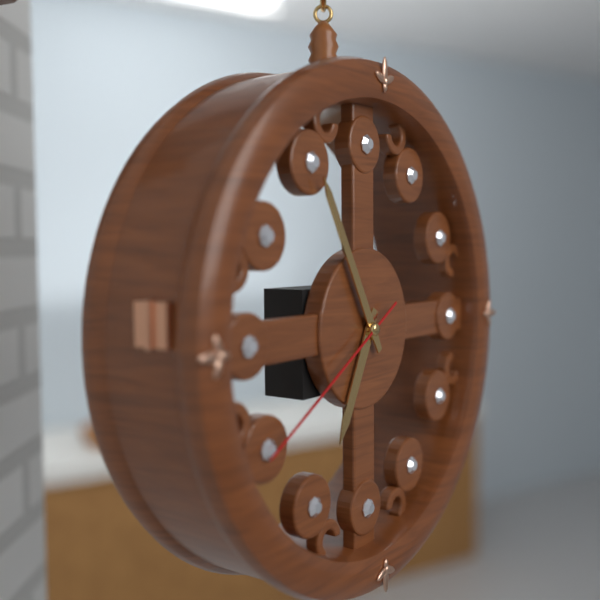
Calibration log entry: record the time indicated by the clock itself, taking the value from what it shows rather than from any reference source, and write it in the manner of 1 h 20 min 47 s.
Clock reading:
6 h 55 min 40 s
